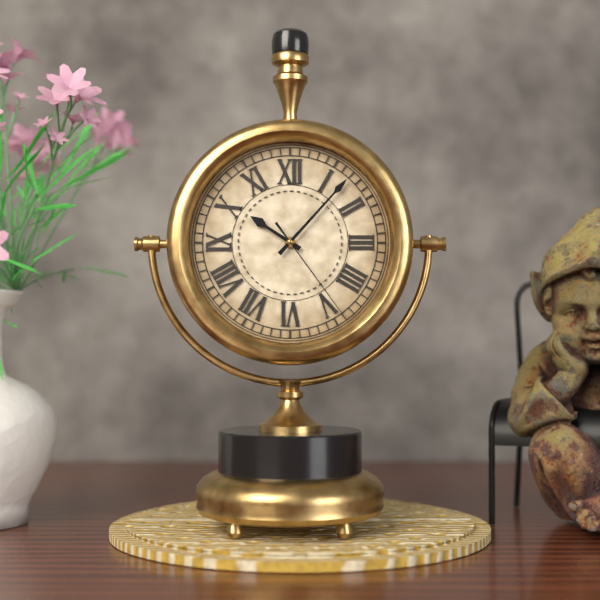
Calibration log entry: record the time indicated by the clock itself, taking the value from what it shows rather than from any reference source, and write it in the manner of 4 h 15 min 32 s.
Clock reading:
10 h 07 min 24 s
